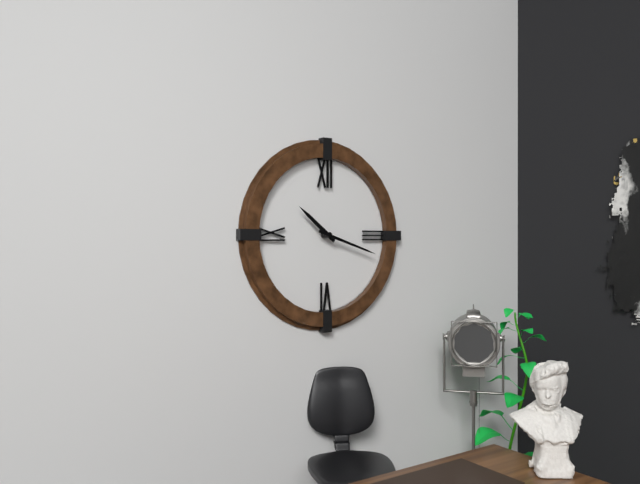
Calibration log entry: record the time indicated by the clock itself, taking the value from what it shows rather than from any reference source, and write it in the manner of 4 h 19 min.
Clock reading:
10 h 18 min
